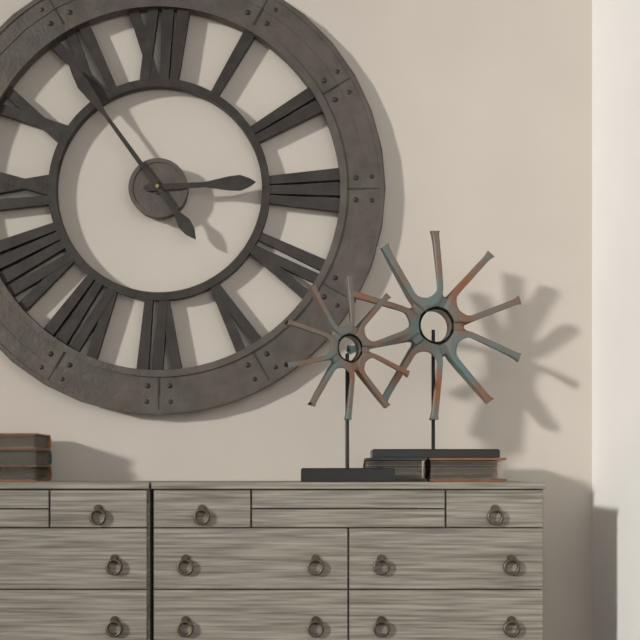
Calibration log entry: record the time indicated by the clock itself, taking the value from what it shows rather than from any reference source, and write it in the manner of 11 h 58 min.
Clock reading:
2 h 54 min
